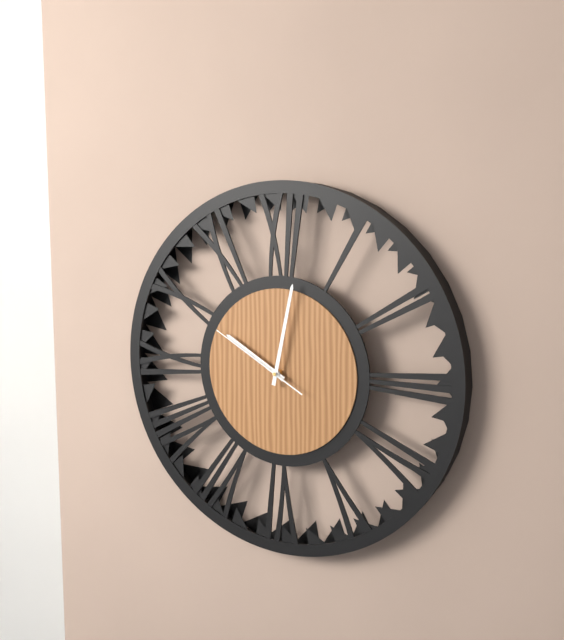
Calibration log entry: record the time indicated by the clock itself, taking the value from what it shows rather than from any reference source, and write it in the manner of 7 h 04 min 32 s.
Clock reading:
10 h 02 min 50 s
